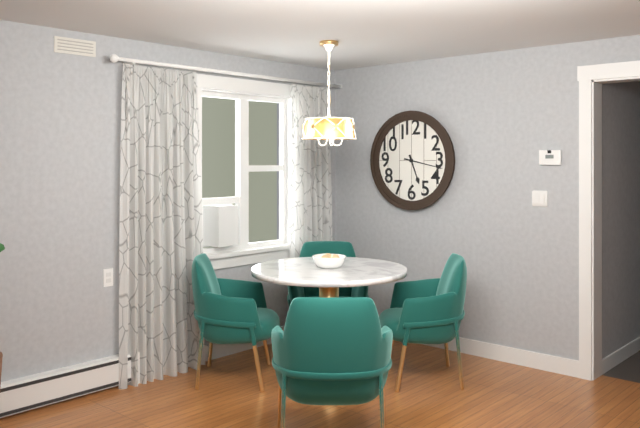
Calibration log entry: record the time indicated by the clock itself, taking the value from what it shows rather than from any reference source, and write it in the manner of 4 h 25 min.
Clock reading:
5 h 17 min
